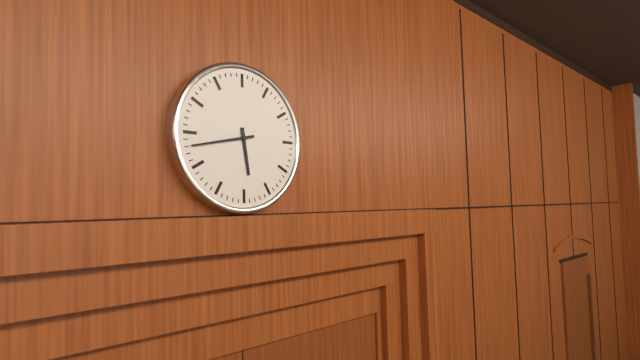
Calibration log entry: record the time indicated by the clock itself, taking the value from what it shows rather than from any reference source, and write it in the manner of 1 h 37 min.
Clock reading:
5 h 43 min
